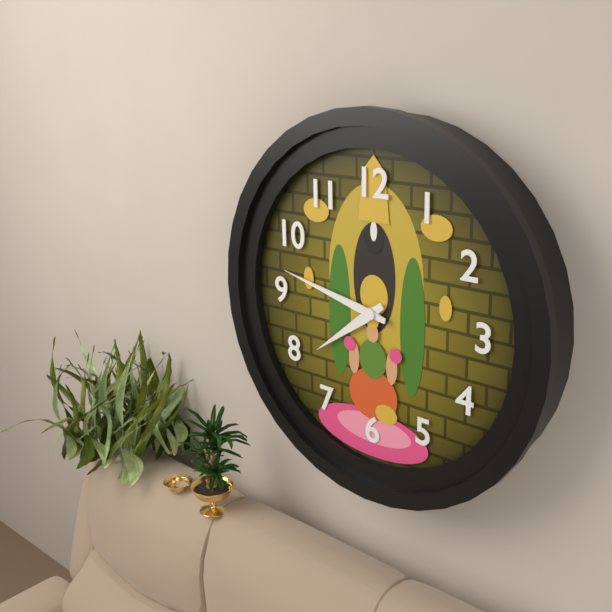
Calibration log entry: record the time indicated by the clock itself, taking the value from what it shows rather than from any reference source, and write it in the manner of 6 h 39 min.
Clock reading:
7 h 47 min
